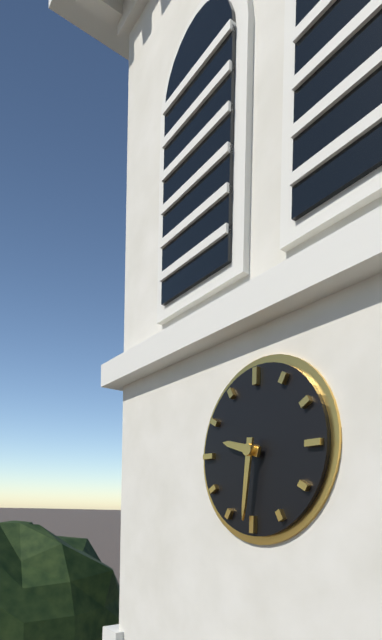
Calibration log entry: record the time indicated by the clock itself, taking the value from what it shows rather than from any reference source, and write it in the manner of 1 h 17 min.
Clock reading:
9 h 31 min
